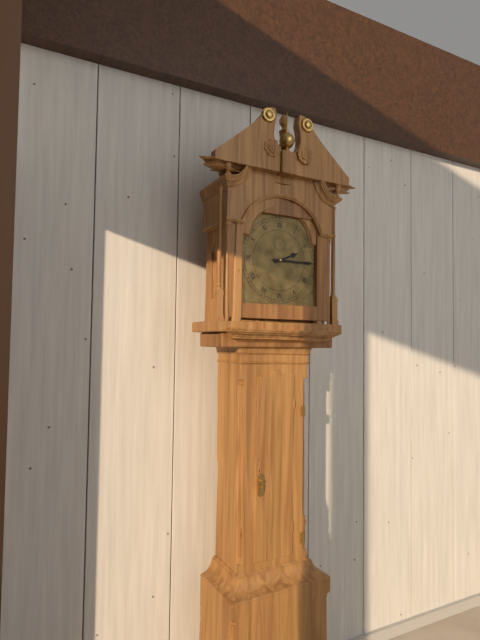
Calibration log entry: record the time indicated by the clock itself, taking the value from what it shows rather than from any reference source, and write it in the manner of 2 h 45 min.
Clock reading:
2 h 15 min
